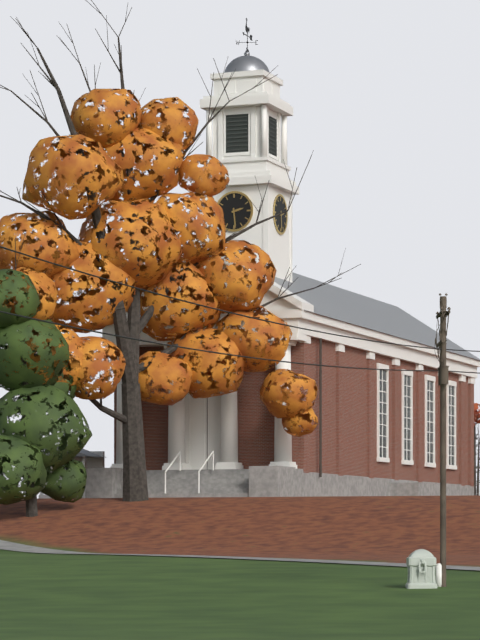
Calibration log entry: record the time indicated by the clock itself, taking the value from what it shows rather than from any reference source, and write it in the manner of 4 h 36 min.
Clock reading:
2 h 29 min
